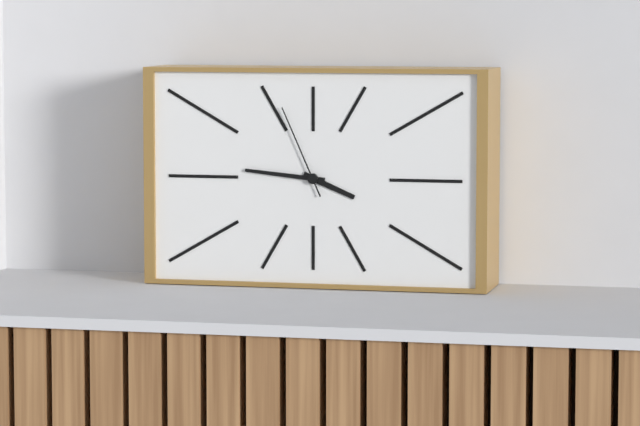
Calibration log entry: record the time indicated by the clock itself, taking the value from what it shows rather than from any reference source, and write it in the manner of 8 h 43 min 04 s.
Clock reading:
3 h 46 min 56 s
